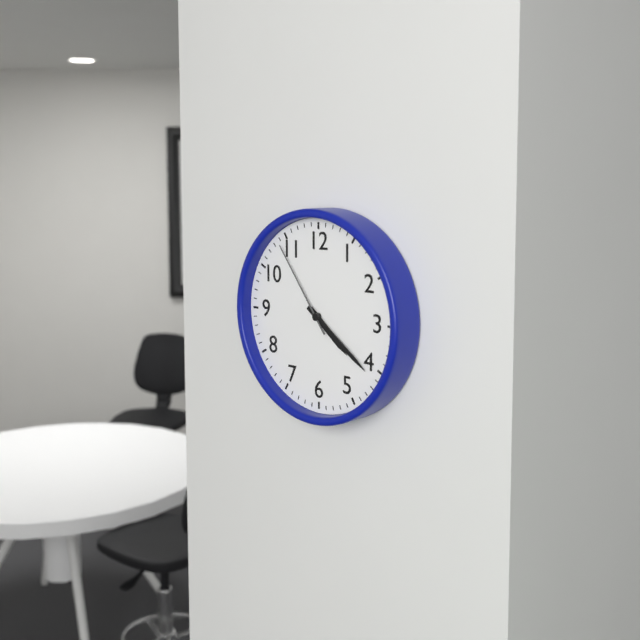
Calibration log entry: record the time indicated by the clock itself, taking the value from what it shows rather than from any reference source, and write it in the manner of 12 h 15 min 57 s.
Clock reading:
4 h 21 min 54 s
